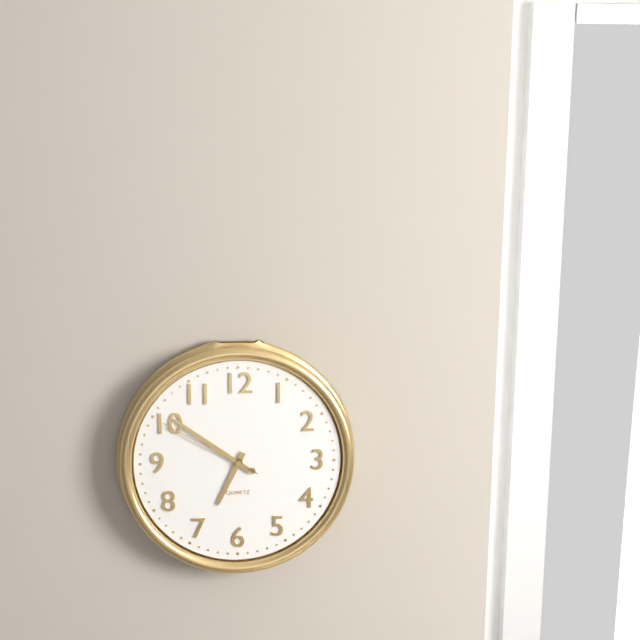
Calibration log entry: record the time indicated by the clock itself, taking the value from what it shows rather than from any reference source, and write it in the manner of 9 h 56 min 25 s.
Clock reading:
6 h 51 min 50 s
